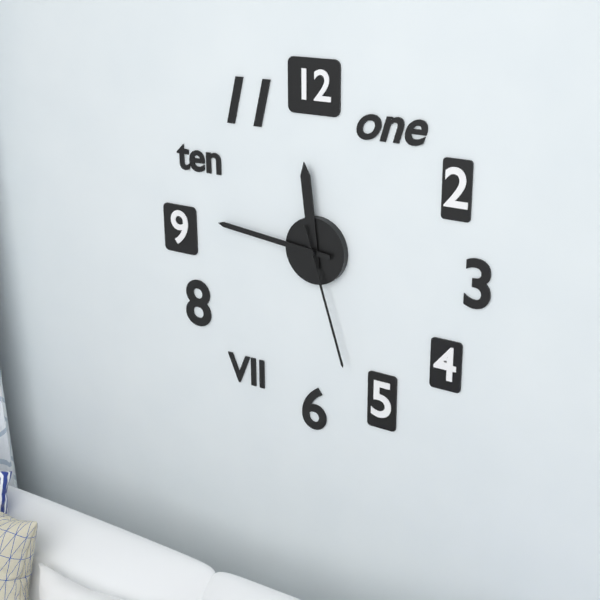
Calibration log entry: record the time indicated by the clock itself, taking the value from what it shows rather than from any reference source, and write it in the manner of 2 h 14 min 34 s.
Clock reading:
11 h 46 min 27 s
